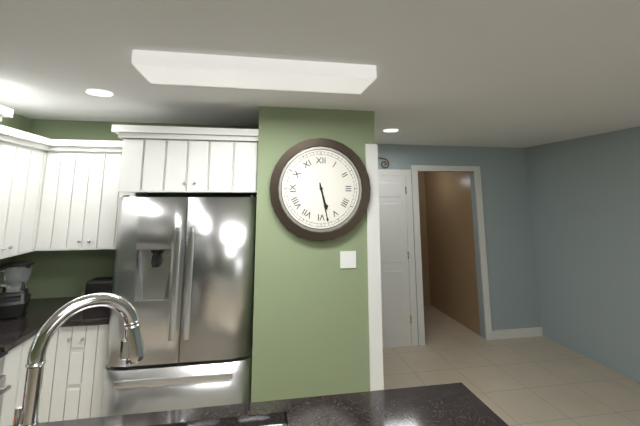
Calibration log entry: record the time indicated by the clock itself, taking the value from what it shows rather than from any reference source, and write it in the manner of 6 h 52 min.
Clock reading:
5 h 28 min
